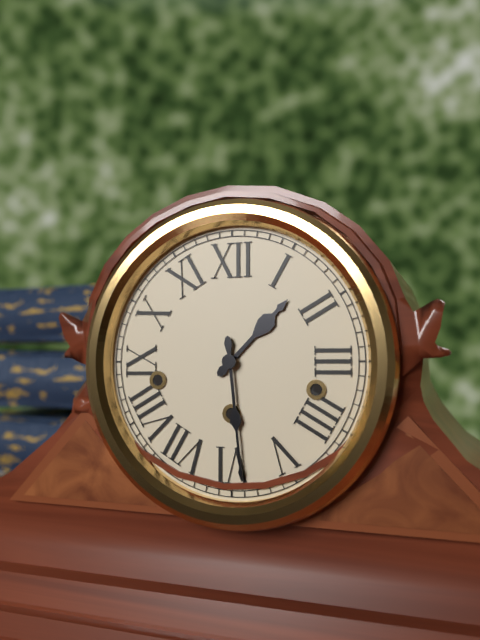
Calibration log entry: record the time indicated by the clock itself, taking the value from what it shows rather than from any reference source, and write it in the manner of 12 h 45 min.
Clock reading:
1 h 29 min
